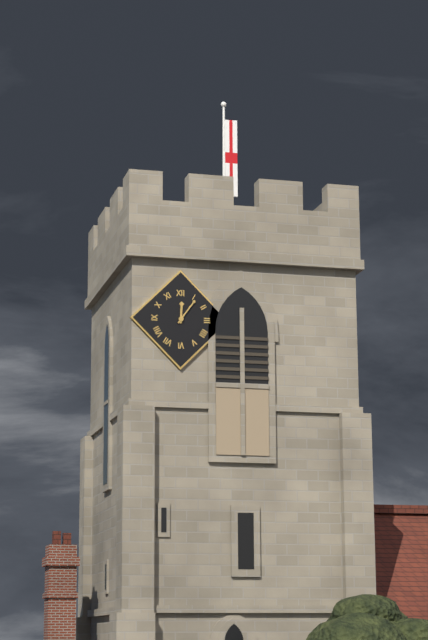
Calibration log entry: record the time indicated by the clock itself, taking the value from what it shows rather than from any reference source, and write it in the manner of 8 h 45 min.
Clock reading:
12 h 06 min
